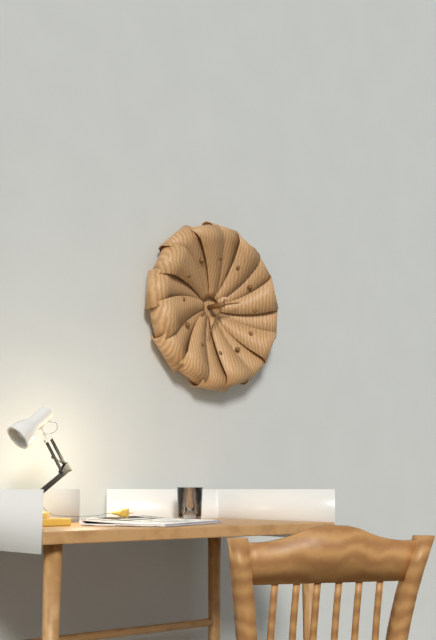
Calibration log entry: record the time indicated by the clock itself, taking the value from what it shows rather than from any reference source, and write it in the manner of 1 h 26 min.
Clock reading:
2 h 35 min
